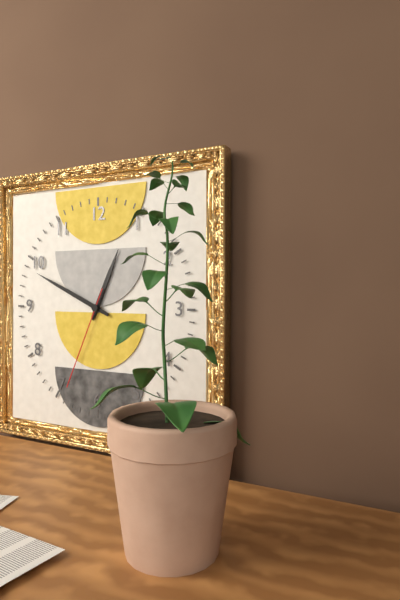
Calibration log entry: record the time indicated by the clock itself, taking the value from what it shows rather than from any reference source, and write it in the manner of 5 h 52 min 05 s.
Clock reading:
12 h 49 min 34 s
